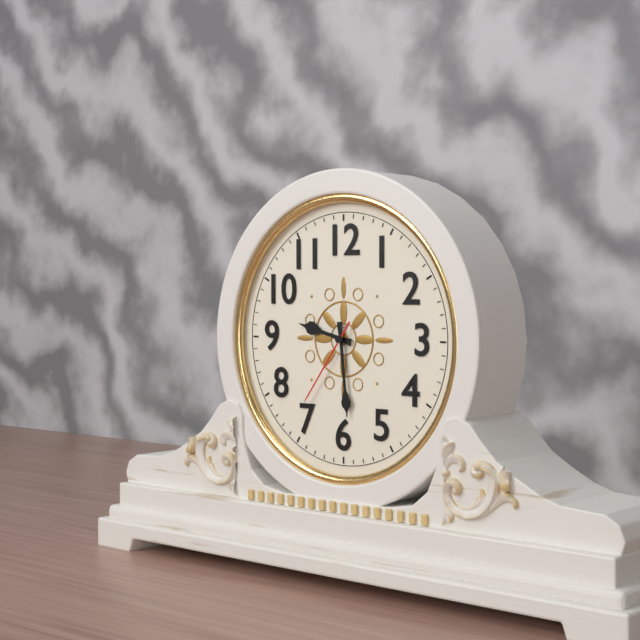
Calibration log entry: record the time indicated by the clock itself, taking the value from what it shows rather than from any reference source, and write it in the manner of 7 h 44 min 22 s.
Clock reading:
9 h 29 min 36 s
